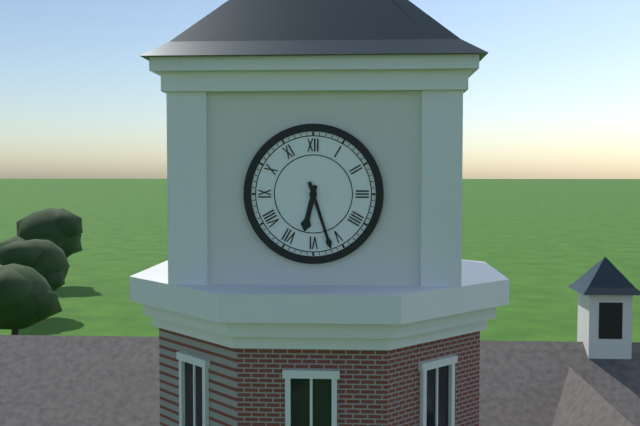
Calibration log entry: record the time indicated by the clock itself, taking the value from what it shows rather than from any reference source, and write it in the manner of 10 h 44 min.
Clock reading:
6 h 27 min
